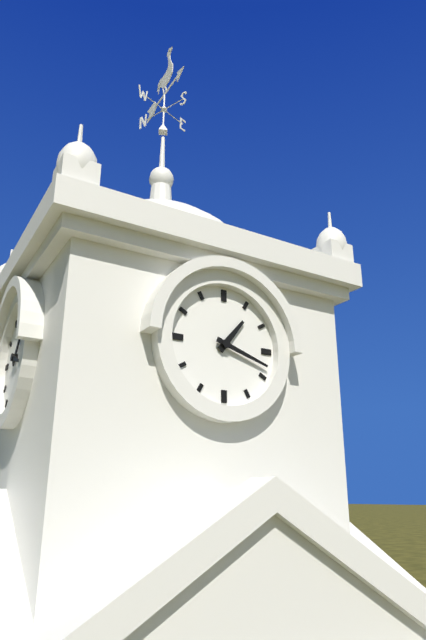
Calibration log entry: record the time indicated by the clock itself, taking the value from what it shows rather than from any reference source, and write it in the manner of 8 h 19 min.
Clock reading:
1 h 18 min
